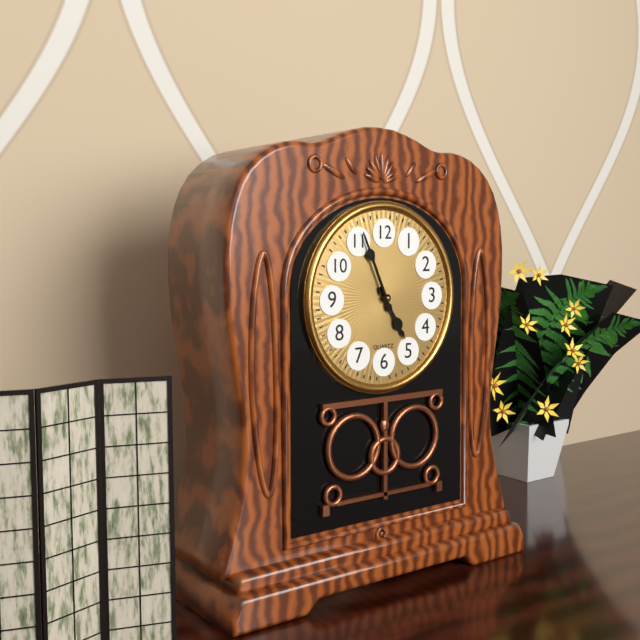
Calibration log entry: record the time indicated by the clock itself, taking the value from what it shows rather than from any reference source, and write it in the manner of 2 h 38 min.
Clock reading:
4 h 56 min
